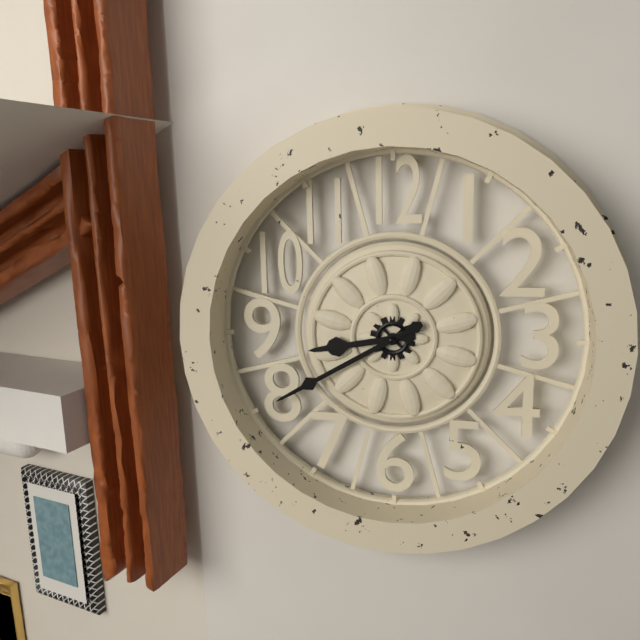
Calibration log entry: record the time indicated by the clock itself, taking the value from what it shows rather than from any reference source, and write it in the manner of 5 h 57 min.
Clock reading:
8 h 40 min
